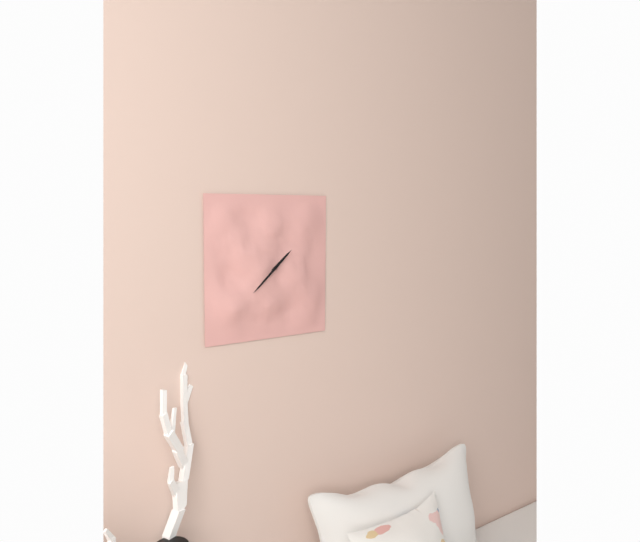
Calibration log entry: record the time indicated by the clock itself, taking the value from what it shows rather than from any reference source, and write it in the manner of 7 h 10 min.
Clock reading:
1 h 38 min
